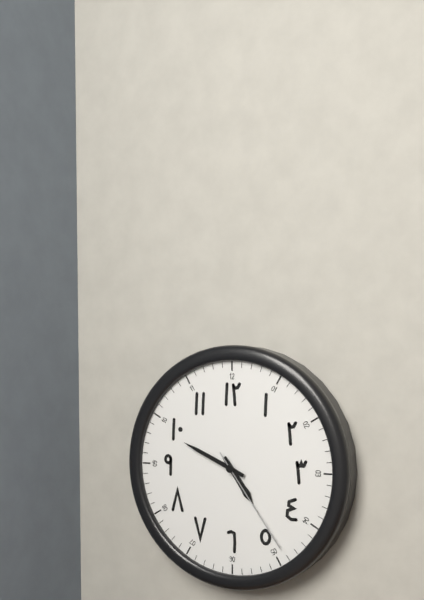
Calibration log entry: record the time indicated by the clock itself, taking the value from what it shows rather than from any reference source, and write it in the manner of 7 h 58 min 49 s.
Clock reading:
4 h 49 min 24 s
